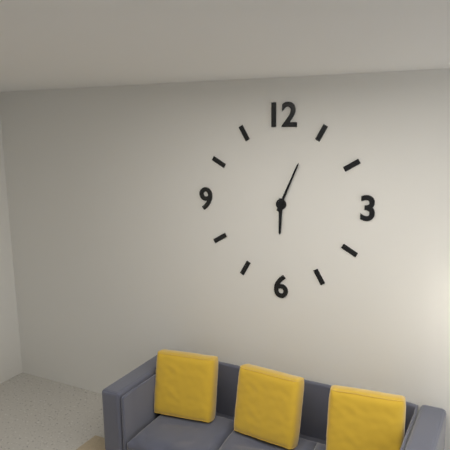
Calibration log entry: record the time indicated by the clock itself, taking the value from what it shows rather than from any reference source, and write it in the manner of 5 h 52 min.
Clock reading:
6 h 04 min
